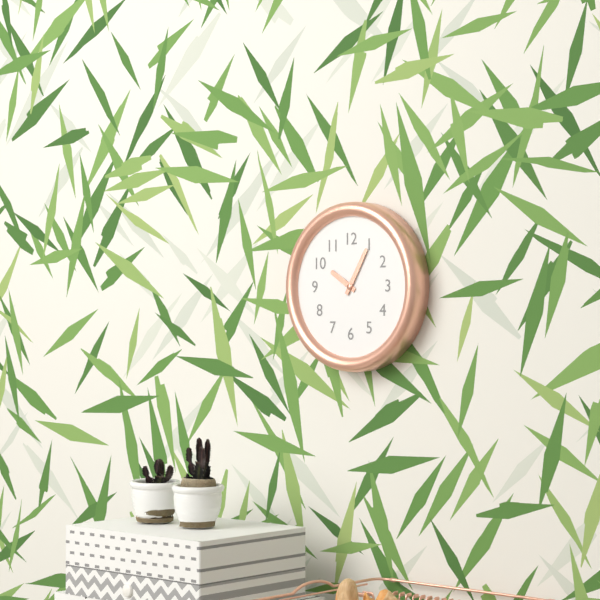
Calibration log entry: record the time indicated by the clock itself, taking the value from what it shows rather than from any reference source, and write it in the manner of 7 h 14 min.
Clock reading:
10 h 05 min
